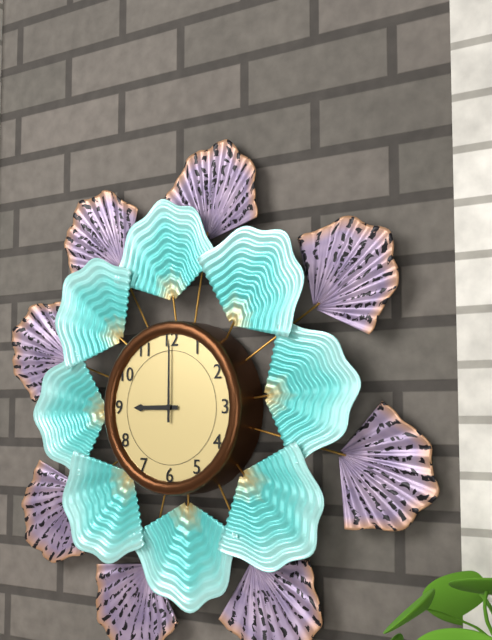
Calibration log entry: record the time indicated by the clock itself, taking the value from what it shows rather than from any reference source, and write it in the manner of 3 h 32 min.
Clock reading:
9 h 00 min
